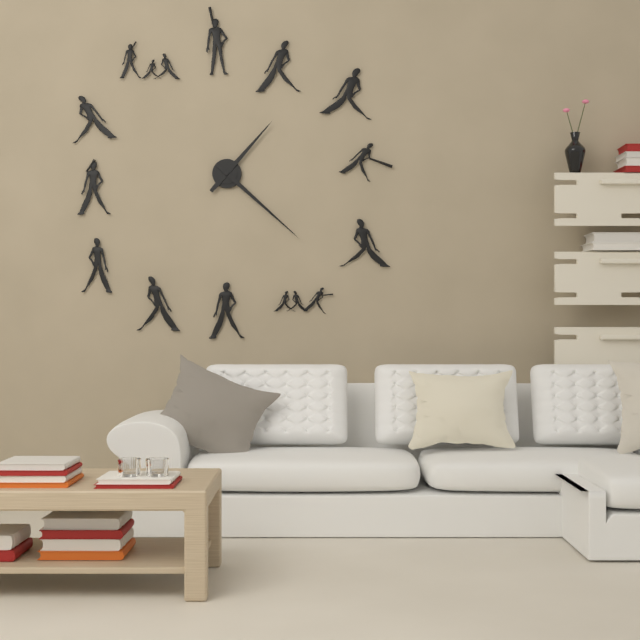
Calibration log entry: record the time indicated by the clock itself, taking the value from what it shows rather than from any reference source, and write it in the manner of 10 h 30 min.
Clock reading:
1 h 22 min
